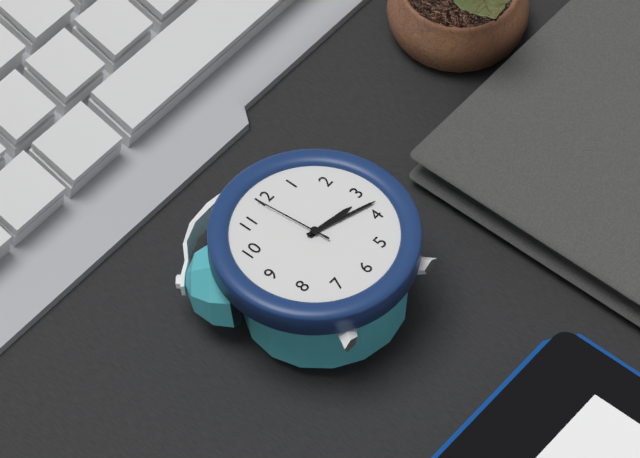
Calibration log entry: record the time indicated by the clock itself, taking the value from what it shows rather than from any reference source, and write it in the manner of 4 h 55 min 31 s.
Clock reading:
3 h 18 min 59 s
